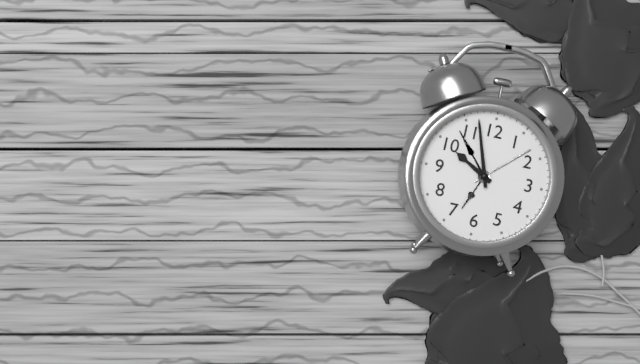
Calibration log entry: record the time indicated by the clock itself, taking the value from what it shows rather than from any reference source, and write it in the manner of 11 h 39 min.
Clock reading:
9 h 57 min
